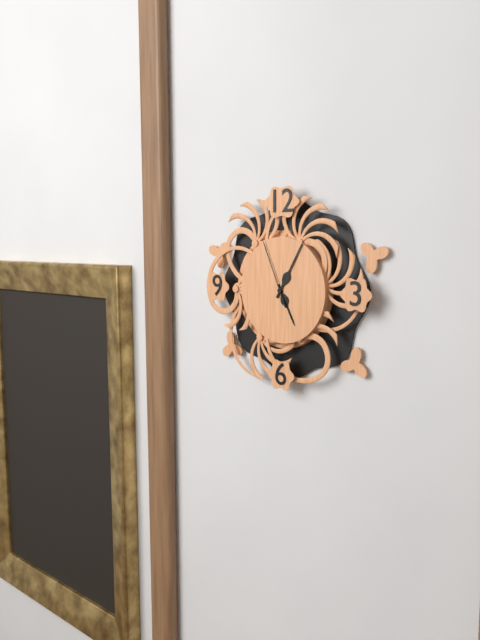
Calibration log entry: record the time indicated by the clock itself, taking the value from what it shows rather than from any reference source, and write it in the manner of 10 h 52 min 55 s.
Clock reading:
5 h 05 min 56 s
